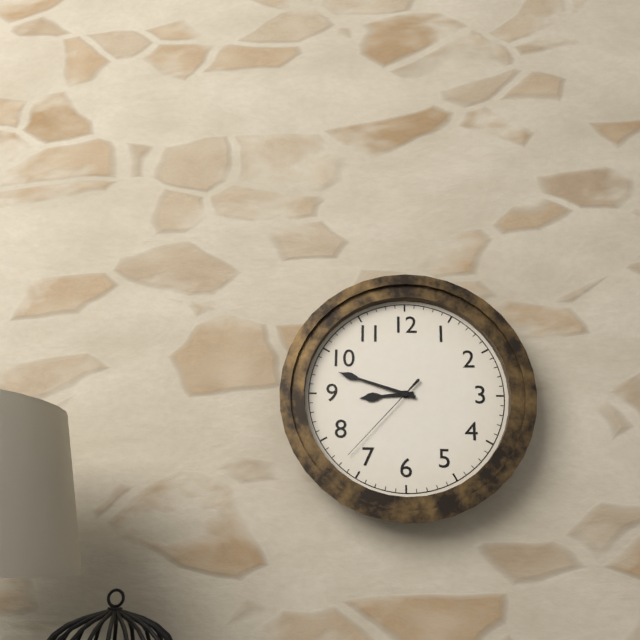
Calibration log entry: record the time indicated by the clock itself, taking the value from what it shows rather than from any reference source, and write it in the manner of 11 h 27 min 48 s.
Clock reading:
8 h 48 min 37 s
